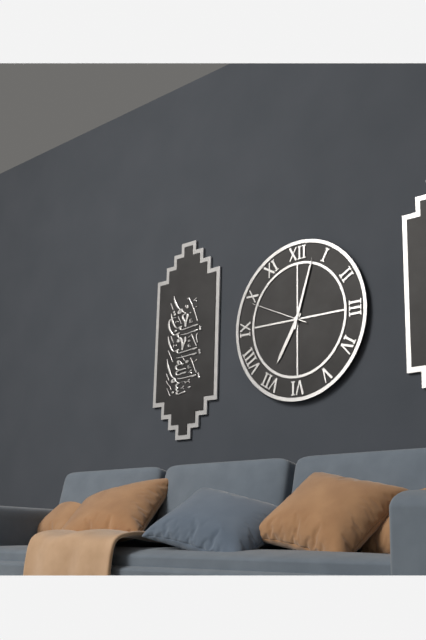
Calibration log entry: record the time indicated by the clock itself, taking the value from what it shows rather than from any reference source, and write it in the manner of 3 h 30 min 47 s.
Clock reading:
7 h 03 min 49 s
